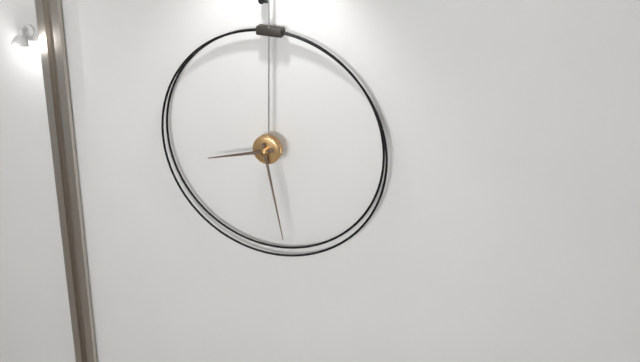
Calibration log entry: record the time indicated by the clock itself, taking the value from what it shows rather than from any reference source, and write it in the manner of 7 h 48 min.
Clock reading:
8 h 28 min
